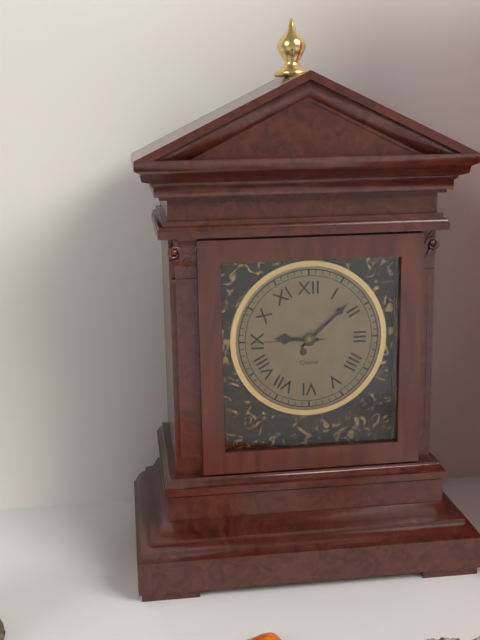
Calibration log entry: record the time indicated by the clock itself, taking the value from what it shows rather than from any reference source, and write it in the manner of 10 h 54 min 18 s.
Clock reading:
9 h 08 min 45 s
